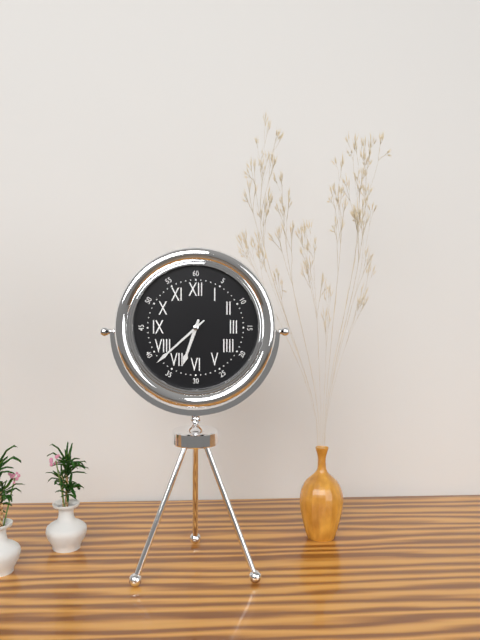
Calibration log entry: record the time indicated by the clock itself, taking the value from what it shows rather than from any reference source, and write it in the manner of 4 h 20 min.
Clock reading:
6 h 38 min
